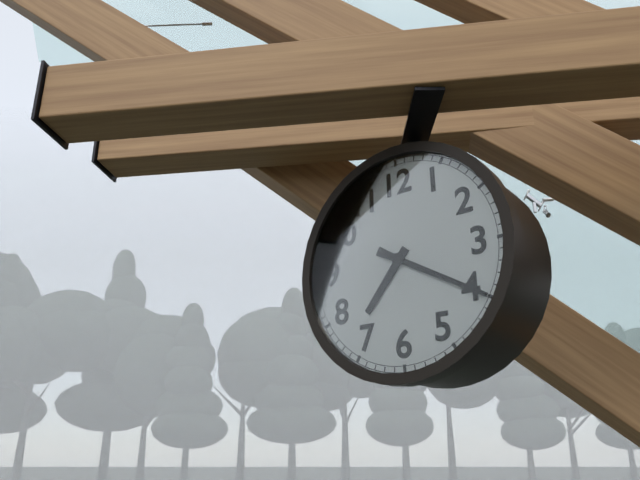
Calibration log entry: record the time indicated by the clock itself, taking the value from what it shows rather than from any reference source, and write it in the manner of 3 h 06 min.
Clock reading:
7 h 20 min
